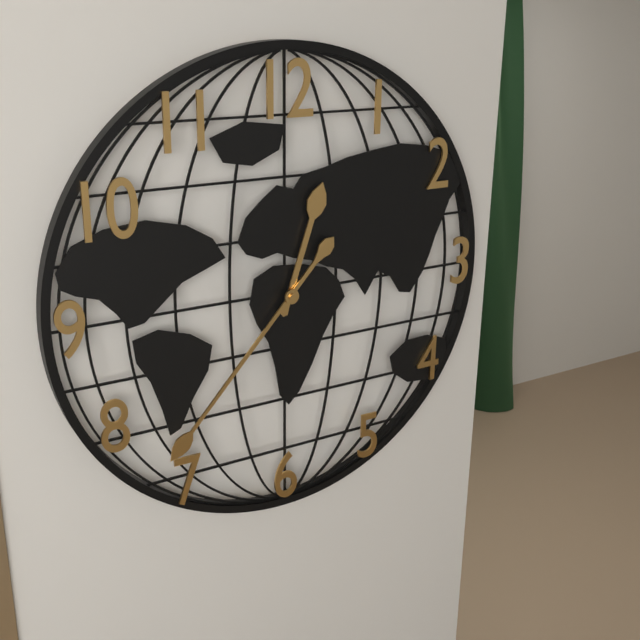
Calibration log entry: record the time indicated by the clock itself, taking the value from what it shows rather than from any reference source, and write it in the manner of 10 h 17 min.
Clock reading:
12 h 37 min
